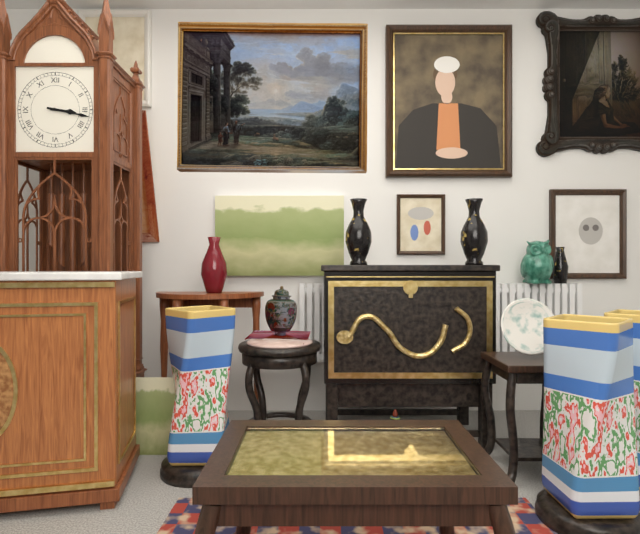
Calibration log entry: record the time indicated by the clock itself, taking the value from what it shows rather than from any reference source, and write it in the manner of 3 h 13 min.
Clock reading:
3 h 17 min
